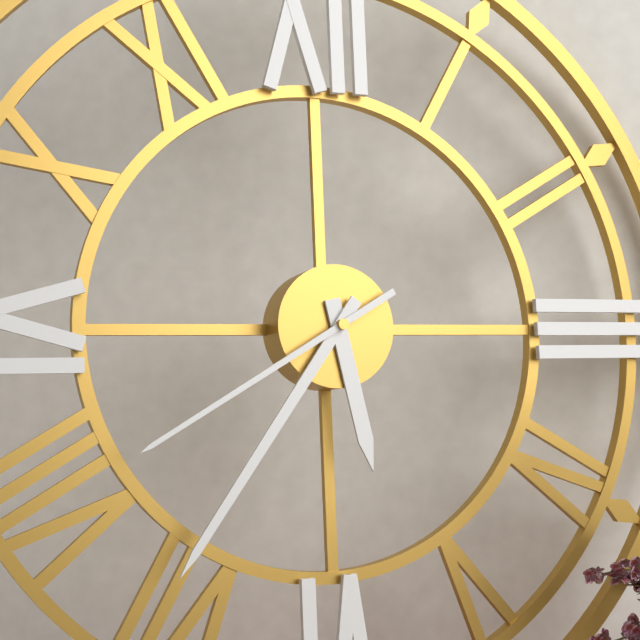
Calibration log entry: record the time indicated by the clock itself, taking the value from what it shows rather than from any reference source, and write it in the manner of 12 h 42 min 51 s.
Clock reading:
5 h 36 min 40 s
